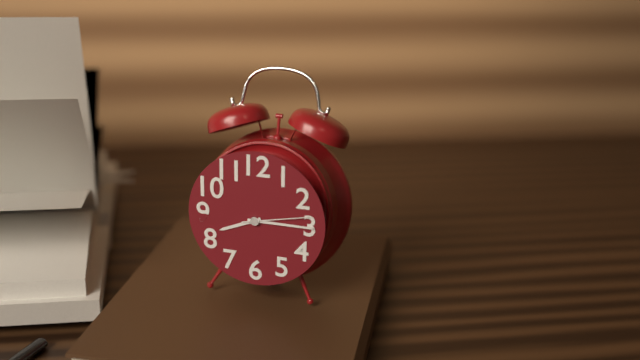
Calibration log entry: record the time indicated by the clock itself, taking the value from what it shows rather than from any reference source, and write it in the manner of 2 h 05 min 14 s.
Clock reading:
8 h 15 min 13 s
